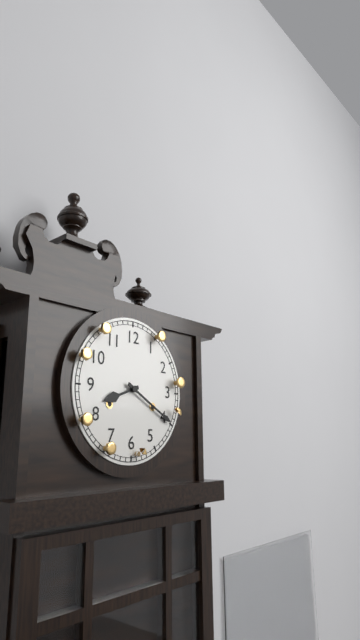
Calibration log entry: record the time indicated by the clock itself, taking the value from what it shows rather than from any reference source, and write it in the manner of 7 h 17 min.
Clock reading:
8 h 20 min
